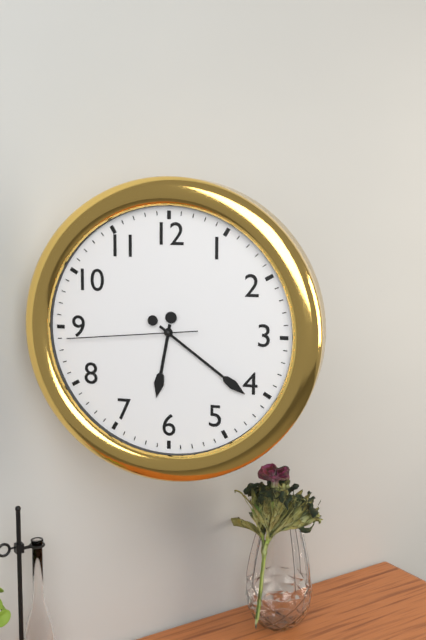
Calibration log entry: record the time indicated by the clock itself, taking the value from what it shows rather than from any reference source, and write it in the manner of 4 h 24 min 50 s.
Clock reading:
6 h 21 min 44 s
